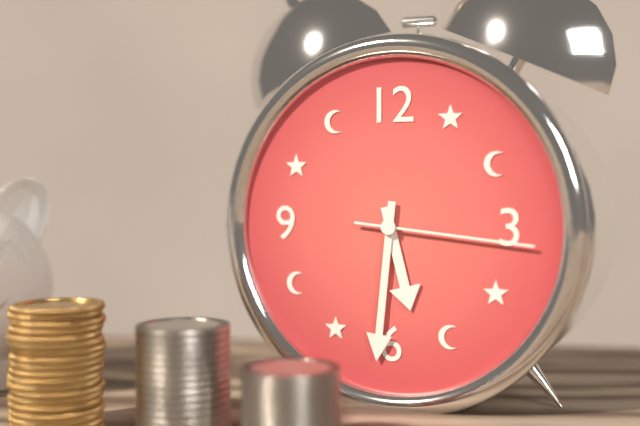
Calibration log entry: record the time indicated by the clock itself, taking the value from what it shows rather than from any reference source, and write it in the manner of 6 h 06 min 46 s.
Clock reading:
5 h 31 min 16 s
